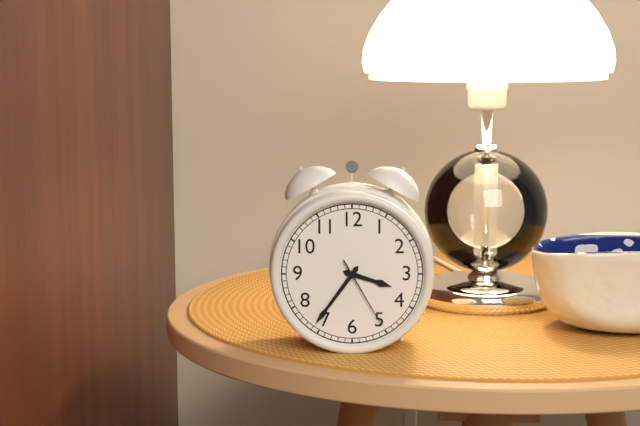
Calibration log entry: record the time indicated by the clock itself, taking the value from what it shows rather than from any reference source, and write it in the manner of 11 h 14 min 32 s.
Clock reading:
3 h 36 min 25 s
